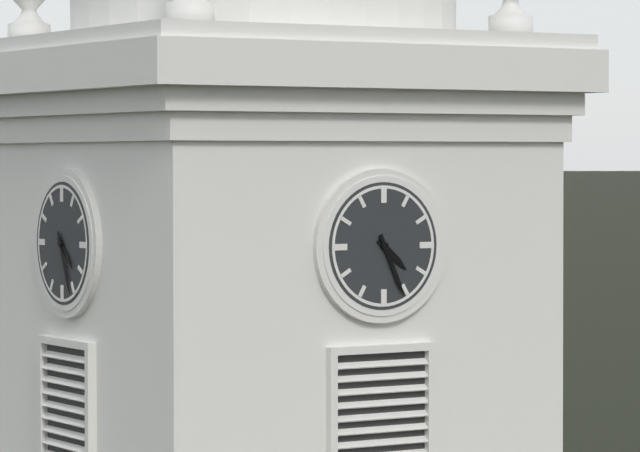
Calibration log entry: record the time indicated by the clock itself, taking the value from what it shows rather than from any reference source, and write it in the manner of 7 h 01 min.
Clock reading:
4 h 26 min
